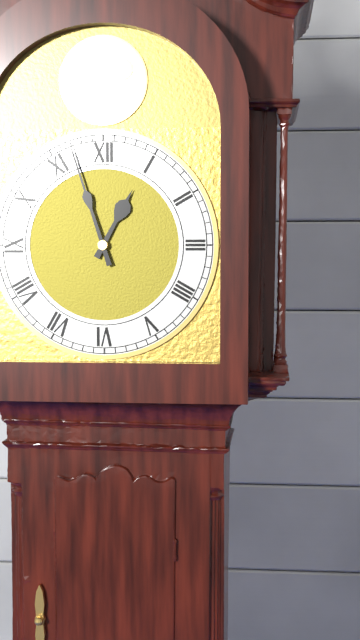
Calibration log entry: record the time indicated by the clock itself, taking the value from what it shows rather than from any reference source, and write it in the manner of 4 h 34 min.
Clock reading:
12 h 57 min
